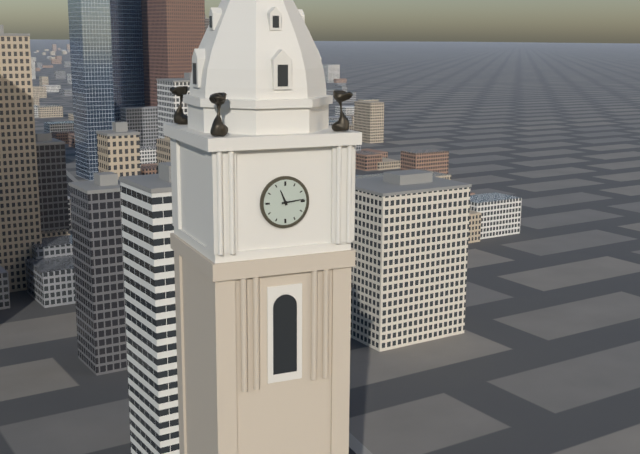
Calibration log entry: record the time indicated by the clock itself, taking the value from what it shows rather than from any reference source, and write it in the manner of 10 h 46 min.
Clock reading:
11 h 14 min
